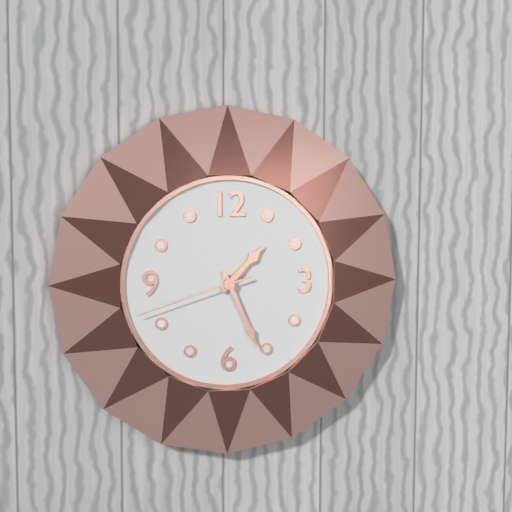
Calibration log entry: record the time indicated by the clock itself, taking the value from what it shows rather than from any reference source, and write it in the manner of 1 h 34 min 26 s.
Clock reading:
1 h 26 min 42 s
